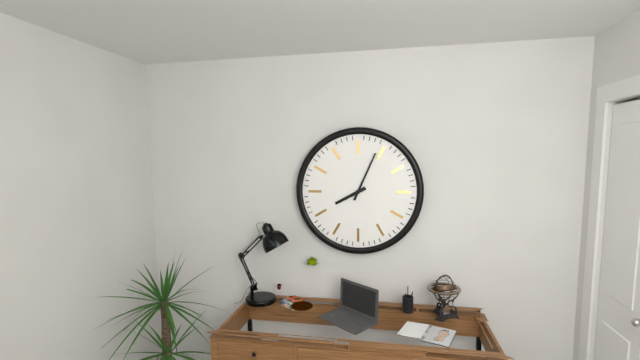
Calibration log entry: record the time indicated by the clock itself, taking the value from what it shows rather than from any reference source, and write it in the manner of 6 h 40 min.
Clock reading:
8 h 04 min
